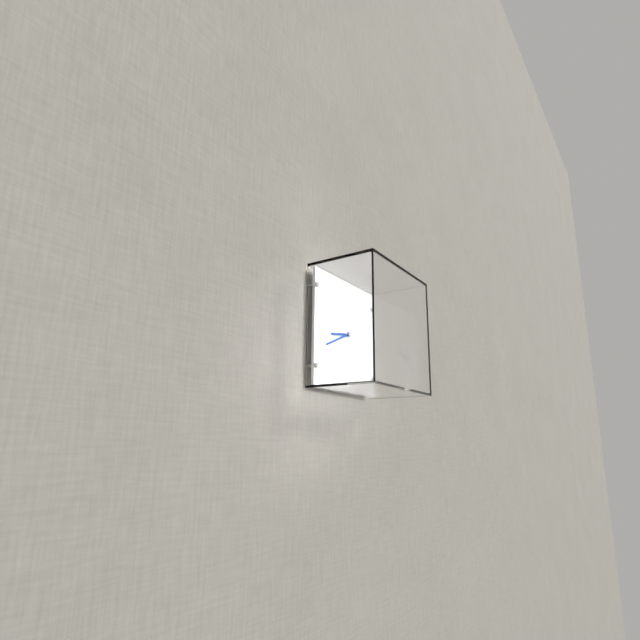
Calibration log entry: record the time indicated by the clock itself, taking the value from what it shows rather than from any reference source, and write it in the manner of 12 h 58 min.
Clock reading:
8 h 41 min
